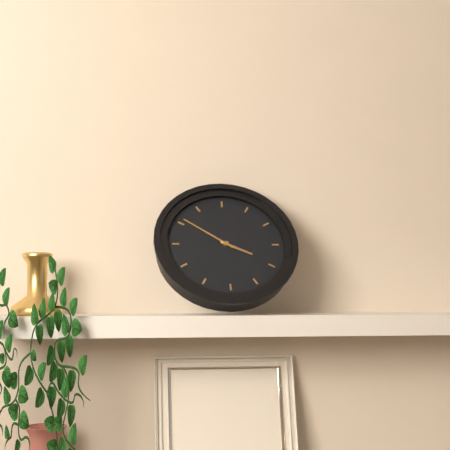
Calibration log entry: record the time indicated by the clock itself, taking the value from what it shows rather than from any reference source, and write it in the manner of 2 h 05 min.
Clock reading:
3 h 51 min
